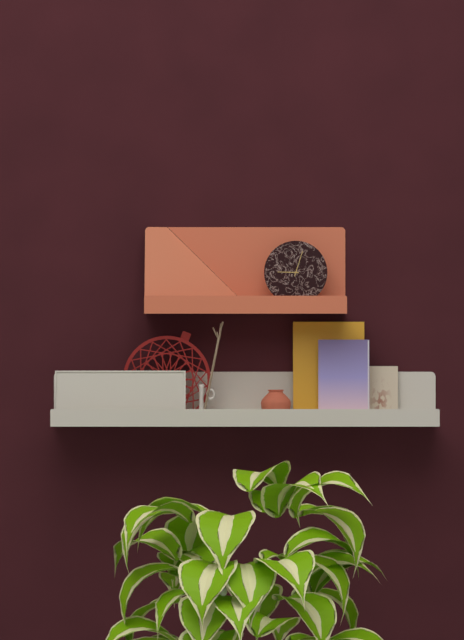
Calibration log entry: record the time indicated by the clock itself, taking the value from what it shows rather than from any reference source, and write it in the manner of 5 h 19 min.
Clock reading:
9 h 03 min
